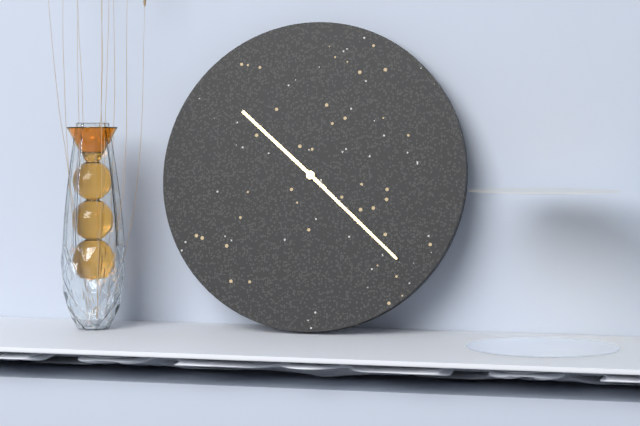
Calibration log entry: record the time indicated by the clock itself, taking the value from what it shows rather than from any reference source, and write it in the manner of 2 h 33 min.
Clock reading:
10 h 22 min
